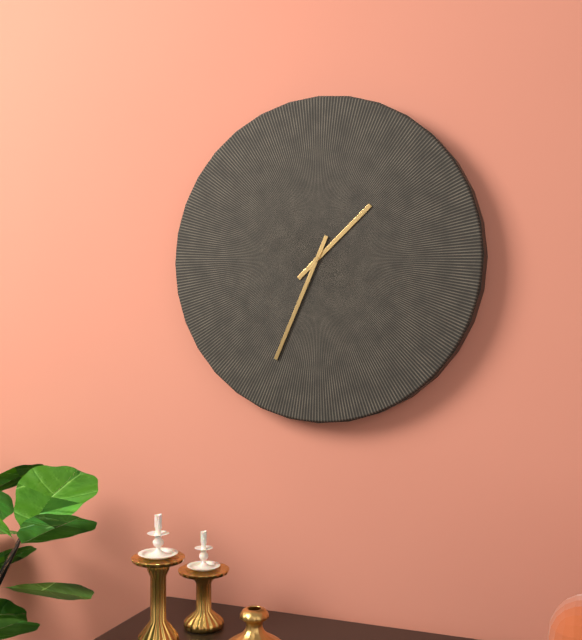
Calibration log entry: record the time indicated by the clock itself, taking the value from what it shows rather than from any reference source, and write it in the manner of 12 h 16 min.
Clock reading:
1 h 34 min
